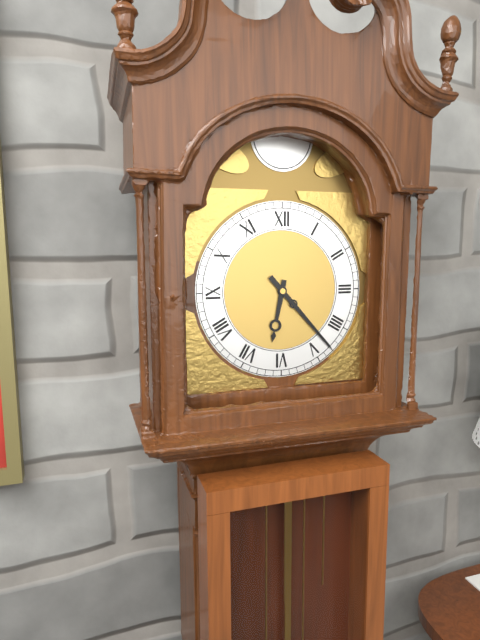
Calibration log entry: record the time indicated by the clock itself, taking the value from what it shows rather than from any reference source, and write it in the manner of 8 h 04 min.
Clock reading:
6 h 23 min
